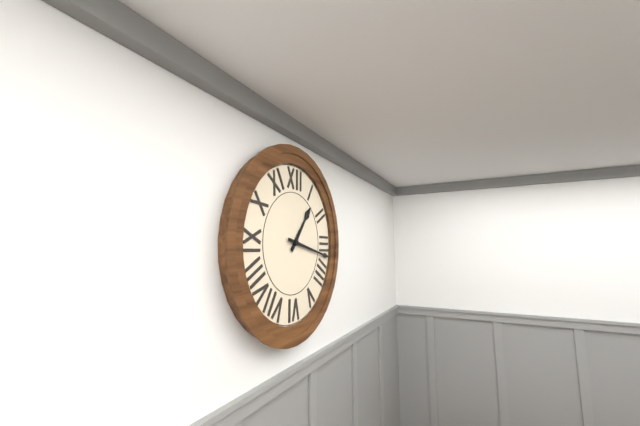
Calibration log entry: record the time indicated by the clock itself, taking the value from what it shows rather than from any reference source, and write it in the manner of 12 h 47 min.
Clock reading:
1 h 17 min
